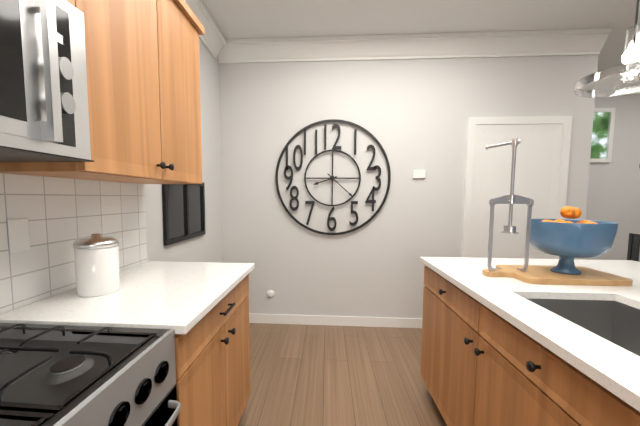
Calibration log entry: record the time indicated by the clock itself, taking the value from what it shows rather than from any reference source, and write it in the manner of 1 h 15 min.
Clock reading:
8 h 22 min
